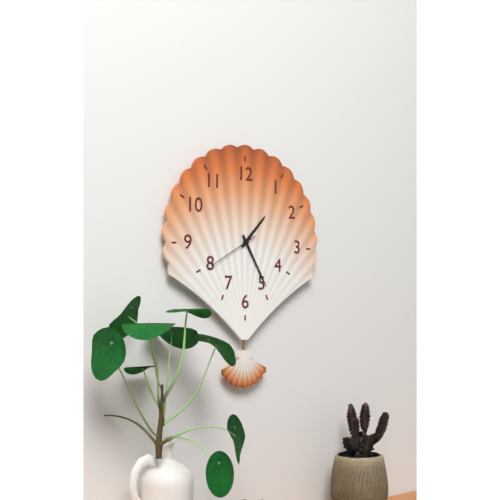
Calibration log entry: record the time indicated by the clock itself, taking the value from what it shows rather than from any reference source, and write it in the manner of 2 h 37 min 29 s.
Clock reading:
1 h 25 min 40 s
